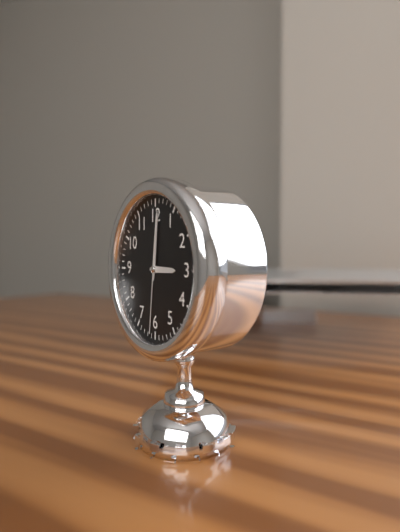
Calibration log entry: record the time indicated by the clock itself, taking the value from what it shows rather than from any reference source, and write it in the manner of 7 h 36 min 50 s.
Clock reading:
3 h 01 min 31 s
